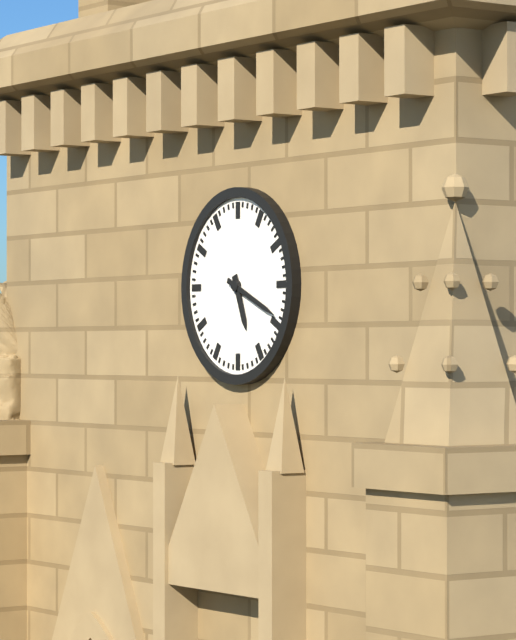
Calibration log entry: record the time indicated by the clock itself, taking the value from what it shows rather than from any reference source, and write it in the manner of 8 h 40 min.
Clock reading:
5 h 19 min
